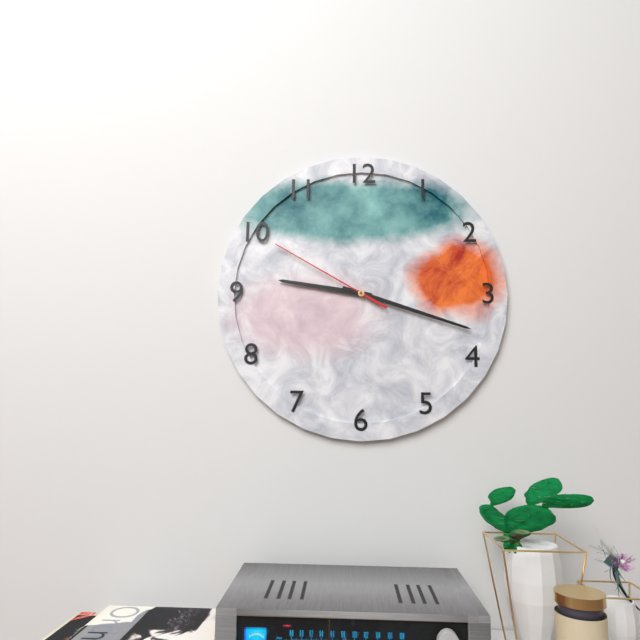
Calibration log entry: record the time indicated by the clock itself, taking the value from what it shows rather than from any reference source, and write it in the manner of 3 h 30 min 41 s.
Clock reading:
9 h 18 min 50 s
